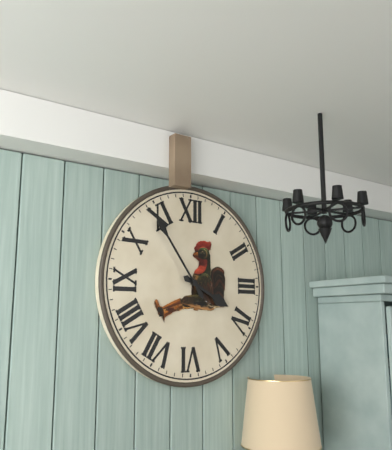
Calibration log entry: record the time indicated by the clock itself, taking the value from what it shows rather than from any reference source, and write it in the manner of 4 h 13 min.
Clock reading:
3 h 54 min
